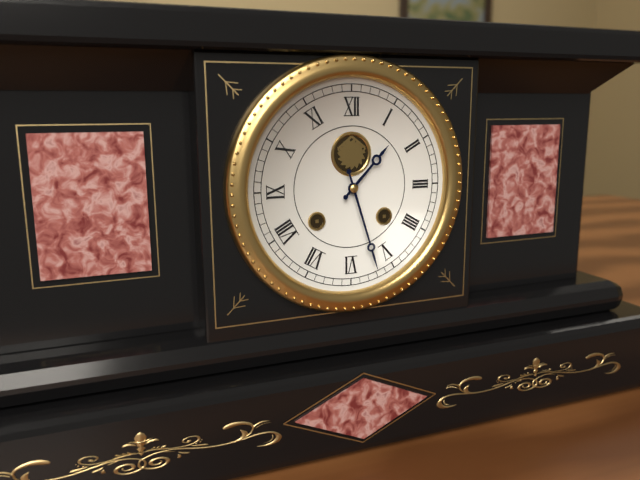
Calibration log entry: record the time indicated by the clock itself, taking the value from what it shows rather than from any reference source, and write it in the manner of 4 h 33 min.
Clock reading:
1 h 27 min
